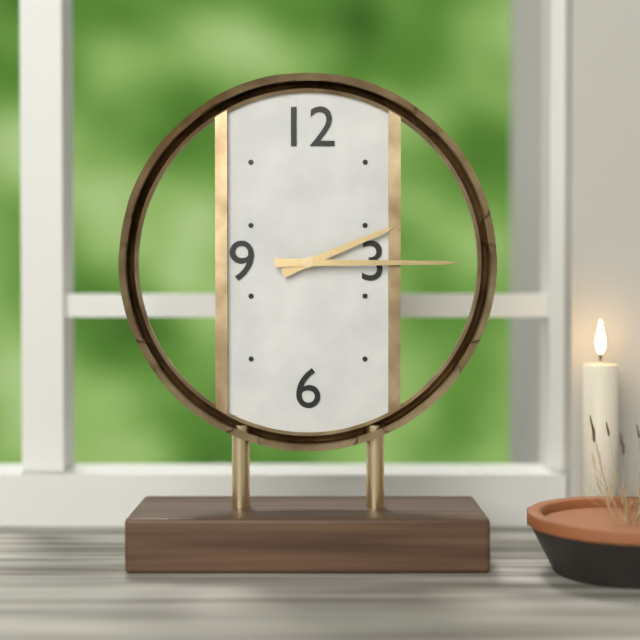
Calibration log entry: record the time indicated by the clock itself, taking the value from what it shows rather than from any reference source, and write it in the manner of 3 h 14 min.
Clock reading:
2 h 15 min
